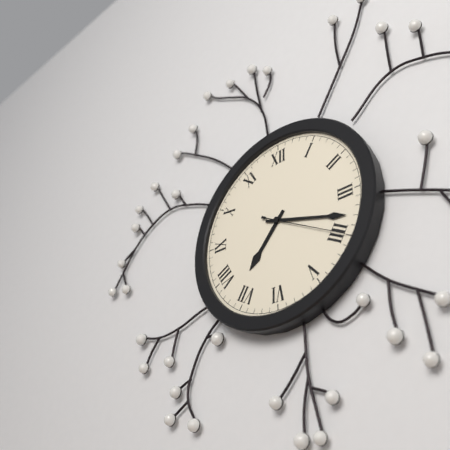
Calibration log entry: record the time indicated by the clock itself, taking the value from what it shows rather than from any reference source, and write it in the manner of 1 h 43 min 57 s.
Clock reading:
7 h 18 min 20 s
